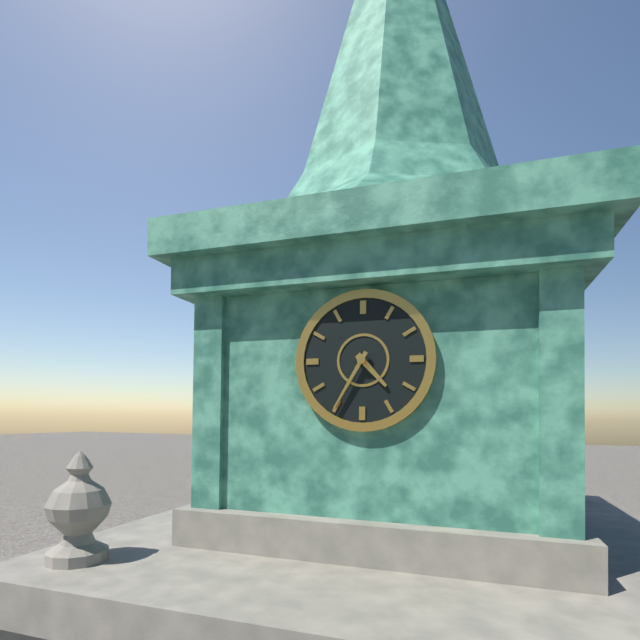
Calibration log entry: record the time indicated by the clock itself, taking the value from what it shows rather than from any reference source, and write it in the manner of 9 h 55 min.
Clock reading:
4 h 35 min
